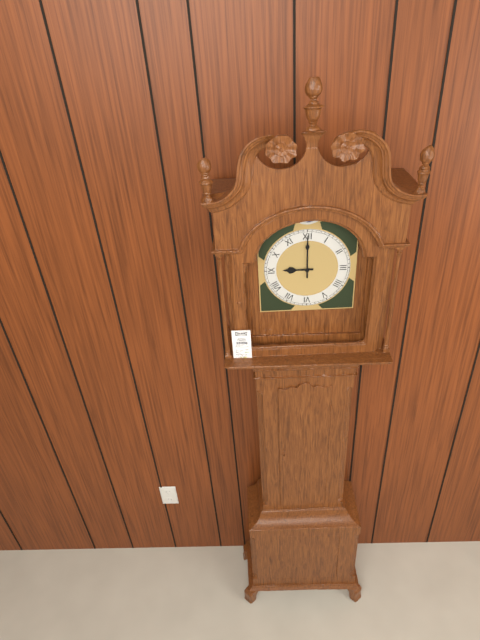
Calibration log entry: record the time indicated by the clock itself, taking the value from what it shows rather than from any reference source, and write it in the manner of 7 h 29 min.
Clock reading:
9 h 00 min
